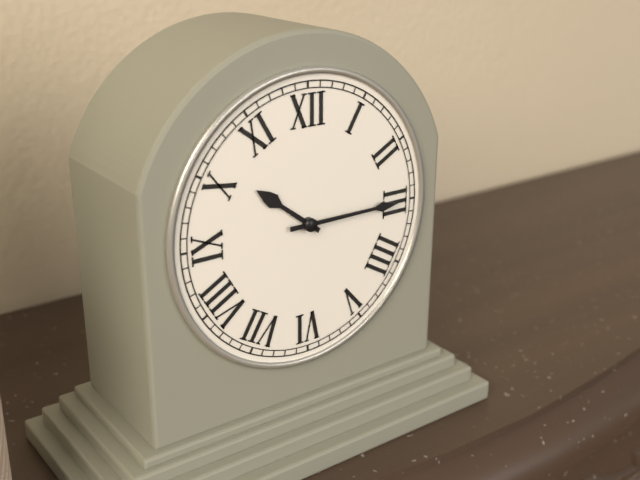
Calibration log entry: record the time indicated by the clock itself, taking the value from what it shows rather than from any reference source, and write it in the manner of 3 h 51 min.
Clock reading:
10 h 15 min
